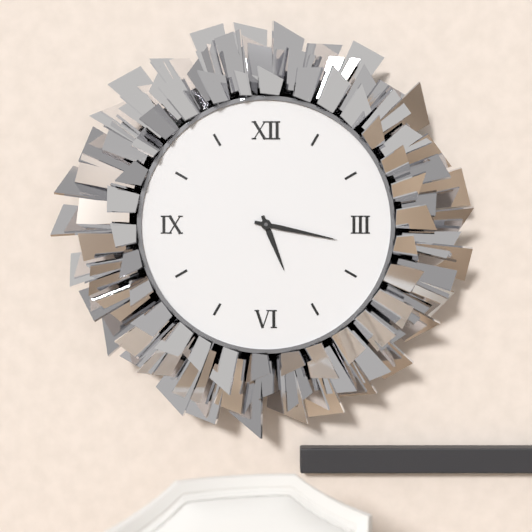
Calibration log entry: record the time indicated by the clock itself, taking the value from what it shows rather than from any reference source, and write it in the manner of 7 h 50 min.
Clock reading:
5 h 17 min
